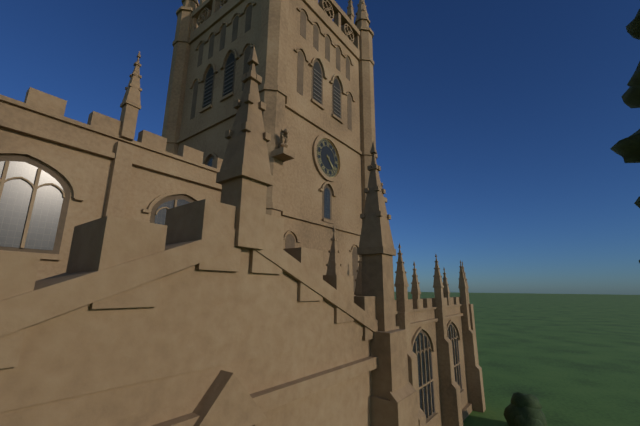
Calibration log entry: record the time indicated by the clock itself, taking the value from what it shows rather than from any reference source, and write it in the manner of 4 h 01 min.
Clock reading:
4 h 23 min
